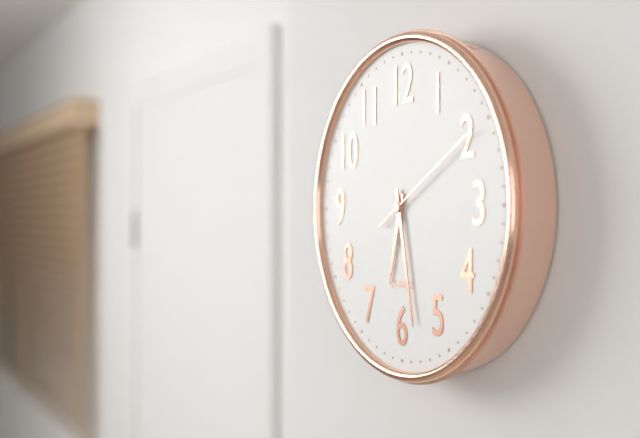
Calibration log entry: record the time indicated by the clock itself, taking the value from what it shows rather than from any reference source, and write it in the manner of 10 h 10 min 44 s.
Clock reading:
6 h 28 min 10 s
